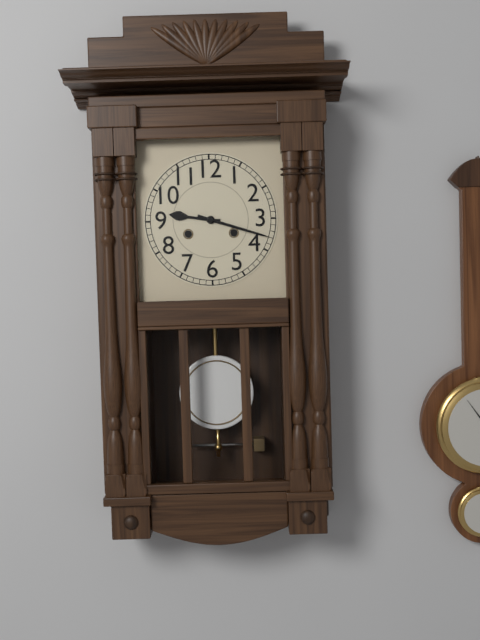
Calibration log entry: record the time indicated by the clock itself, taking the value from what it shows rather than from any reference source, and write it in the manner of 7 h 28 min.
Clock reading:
9 h 18 min
